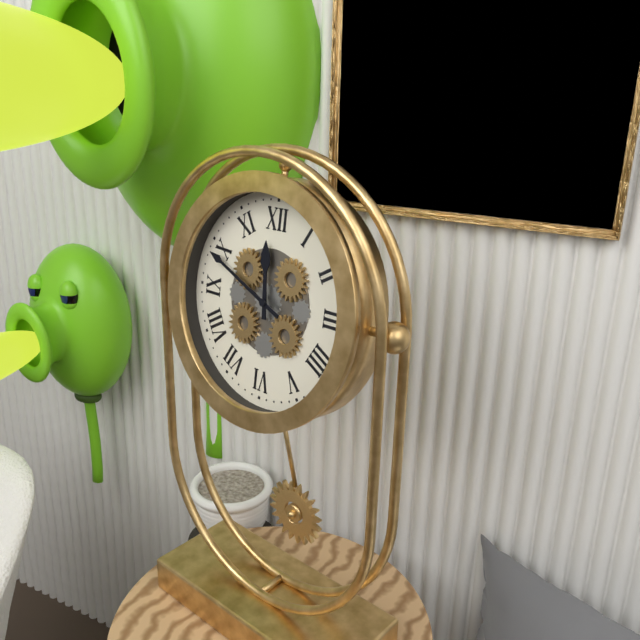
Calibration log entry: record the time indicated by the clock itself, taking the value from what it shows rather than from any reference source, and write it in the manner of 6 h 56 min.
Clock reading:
11 h 49 min
